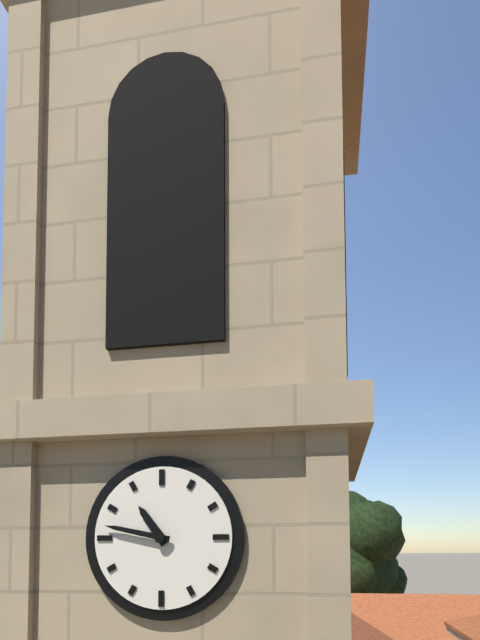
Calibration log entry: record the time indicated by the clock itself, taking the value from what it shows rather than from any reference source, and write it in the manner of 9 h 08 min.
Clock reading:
10 h 47 min
